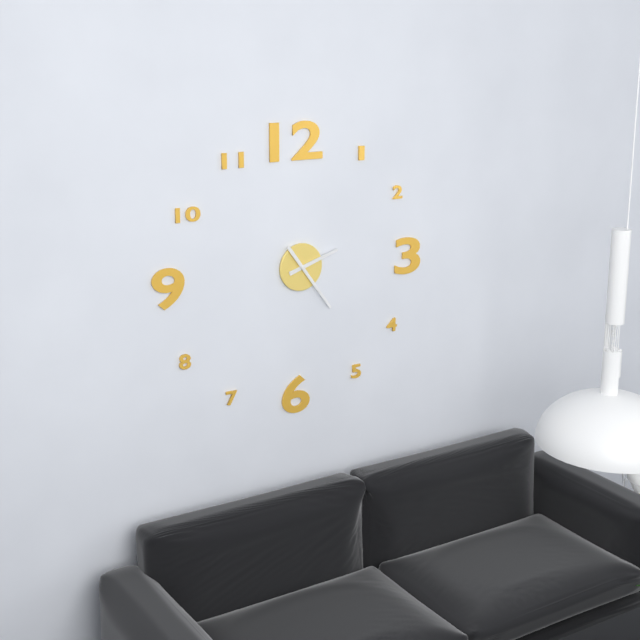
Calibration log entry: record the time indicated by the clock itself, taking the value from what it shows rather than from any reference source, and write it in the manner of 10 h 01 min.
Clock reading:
2 h 24 min
